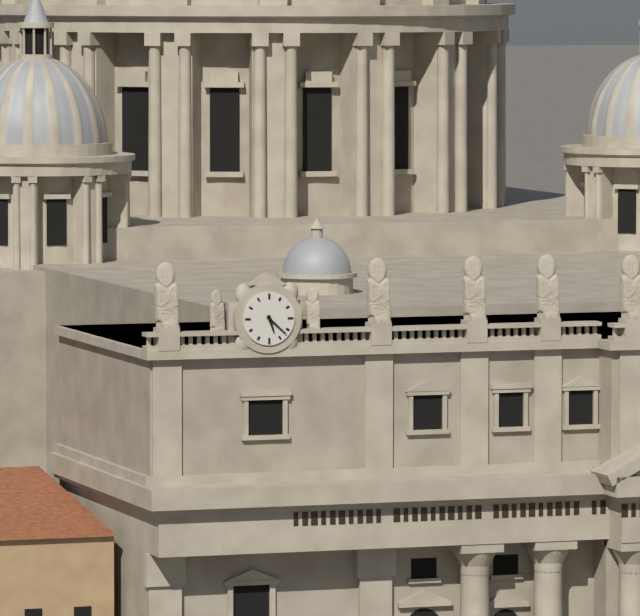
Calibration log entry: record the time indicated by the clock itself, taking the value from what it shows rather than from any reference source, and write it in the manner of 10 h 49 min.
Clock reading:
5 h 22 min
